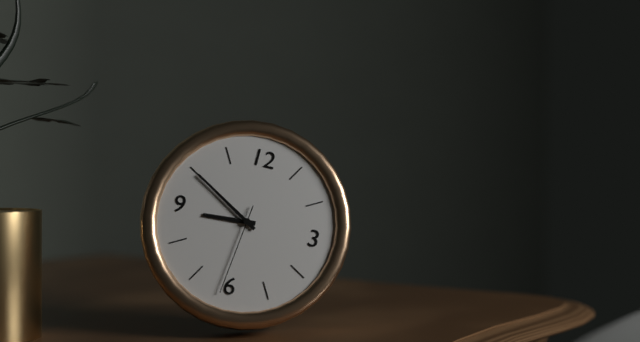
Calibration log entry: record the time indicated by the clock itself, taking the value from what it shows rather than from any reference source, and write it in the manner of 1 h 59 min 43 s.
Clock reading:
8 h 50 min 31 s
